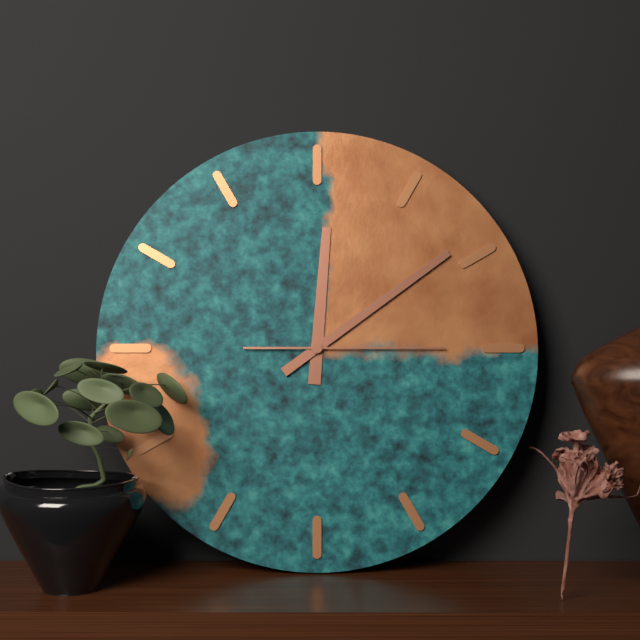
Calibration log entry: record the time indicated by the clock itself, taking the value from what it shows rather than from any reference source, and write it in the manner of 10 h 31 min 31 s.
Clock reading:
12 h 09 min 15 s
